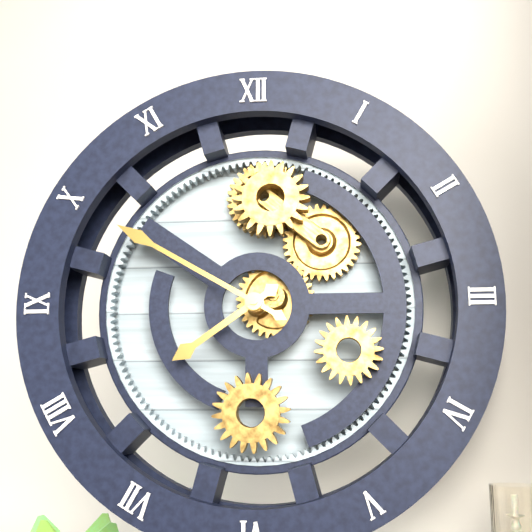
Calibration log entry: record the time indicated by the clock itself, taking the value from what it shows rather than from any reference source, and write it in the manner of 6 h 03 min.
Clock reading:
7 h 50 min
